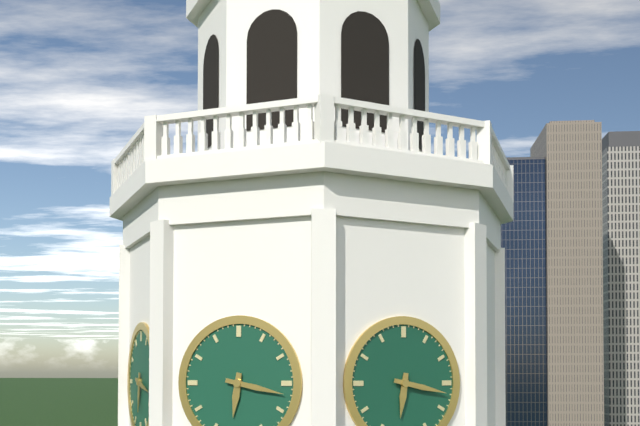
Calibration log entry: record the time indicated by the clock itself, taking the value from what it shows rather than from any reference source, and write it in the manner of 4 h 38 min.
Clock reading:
6 h 17 min
